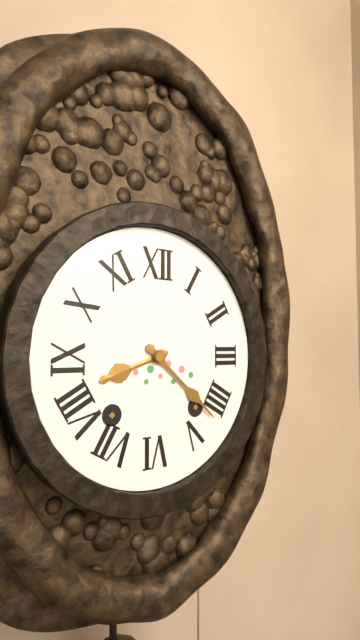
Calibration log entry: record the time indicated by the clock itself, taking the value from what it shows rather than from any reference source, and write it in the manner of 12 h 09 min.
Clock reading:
8 h 22 min
